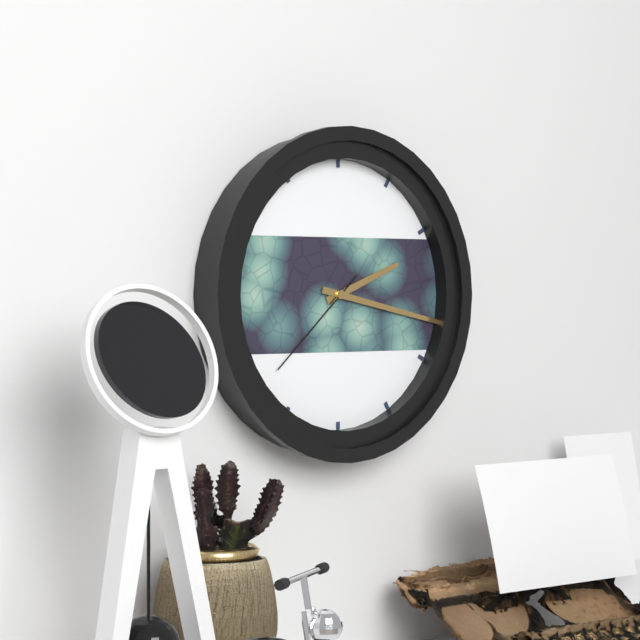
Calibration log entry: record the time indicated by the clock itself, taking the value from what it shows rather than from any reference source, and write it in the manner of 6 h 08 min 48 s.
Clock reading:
2 h 17 min 38 s
